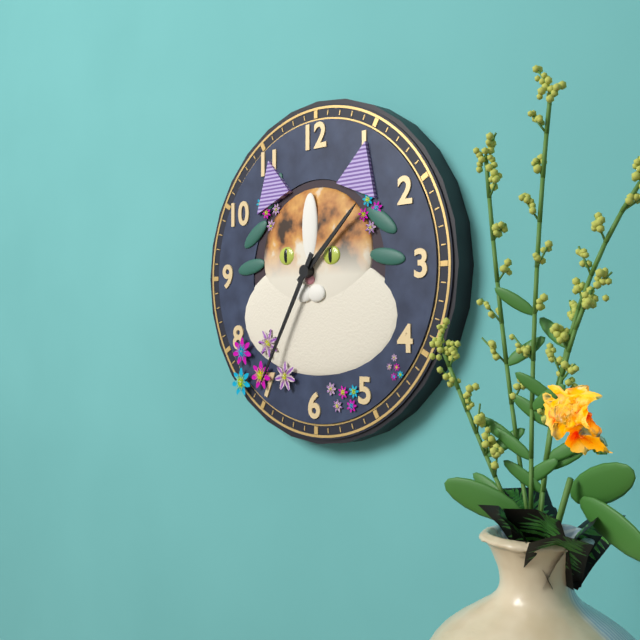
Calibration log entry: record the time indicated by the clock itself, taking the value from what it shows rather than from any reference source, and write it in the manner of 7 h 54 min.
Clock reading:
1 h 35 min
